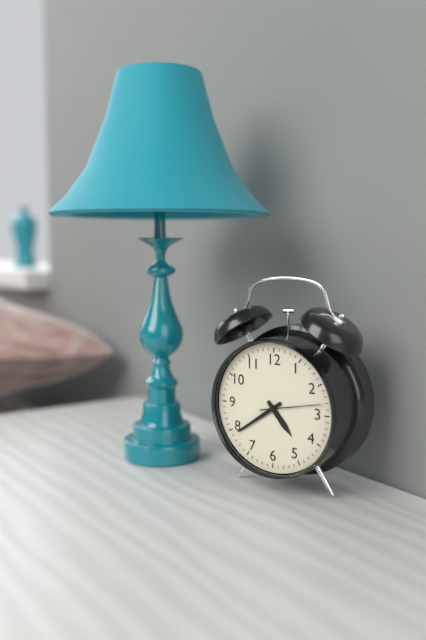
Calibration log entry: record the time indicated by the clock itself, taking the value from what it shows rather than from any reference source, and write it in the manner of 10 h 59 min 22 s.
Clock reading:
4 h 39 min 13 s
